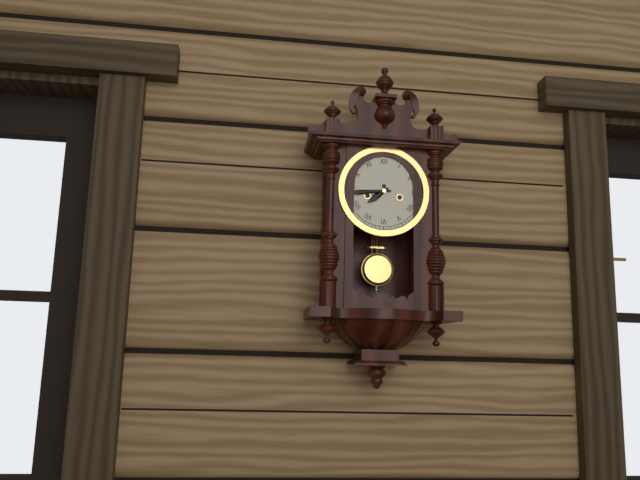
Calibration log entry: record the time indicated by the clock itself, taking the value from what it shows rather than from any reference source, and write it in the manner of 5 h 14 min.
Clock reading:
7 h 44 min
